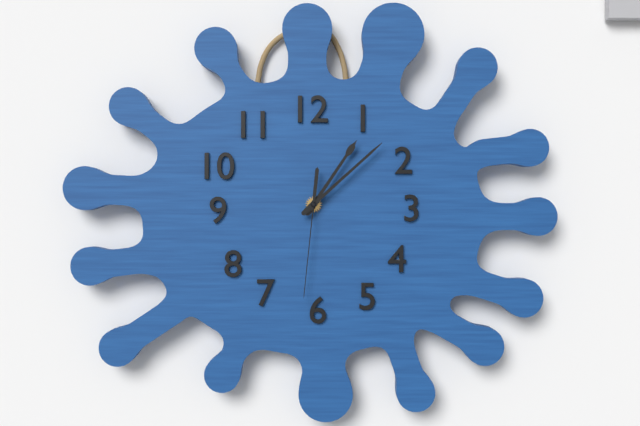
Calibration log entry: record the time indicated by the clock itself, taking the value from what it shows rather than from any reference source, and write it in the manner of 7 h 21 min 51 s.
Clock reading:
1 h 08 min 31 s
